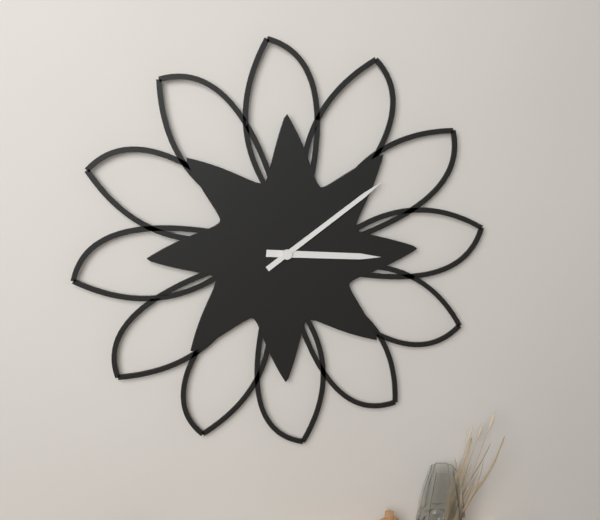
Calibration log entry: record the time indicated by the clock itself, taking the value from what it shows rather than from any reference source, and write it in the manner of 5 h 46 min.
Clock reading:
3 h 09 min
